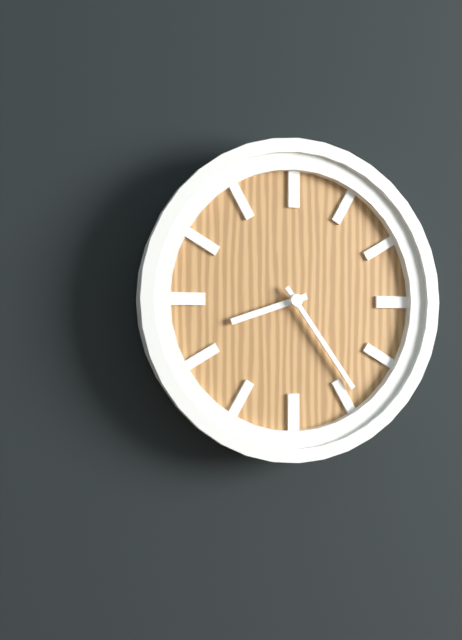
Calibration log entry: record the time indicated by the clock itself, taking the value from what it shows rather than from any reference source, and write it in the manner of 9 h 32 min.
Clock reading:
8 h 24 min
